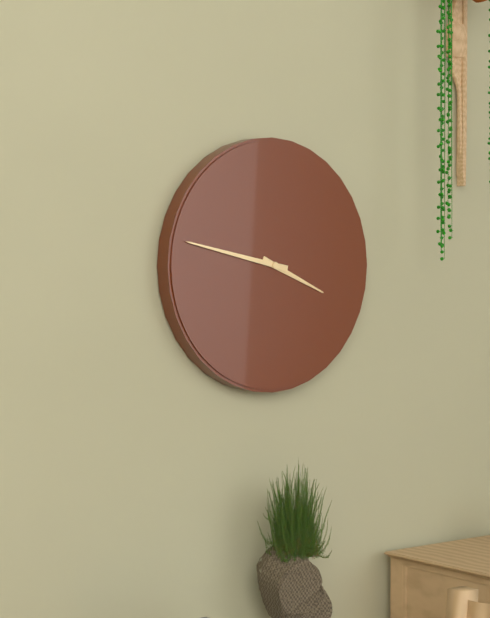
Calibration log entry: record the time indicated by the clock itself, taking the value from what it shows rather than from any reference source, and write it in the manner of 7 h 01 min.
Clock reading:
3 h 47 min
